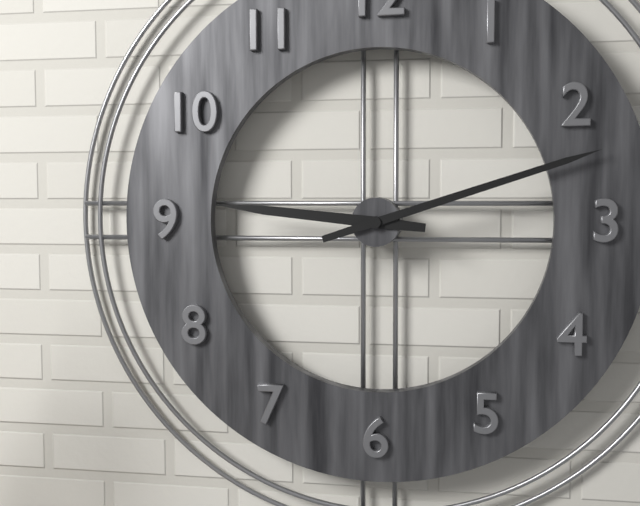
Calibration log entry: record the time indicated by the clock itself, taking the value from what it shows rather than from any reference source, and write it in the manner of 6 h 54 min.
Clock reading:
9 h 12 min
